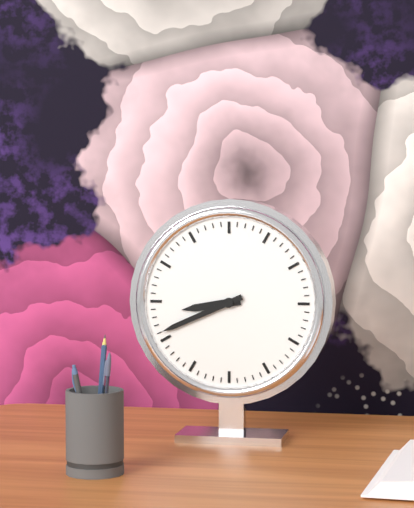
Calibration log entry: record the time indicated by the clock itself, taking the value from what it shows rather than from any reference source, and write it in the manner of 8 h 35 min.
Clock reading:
8 h 41 min
